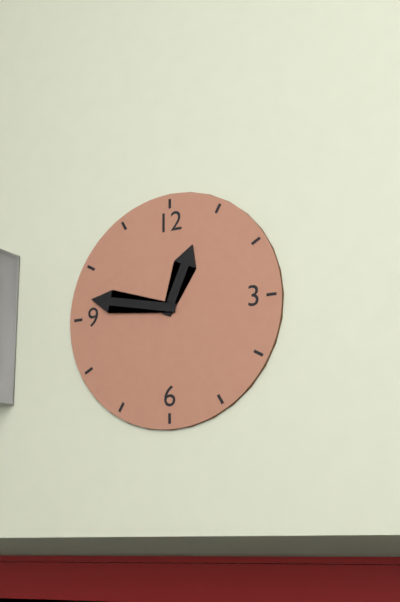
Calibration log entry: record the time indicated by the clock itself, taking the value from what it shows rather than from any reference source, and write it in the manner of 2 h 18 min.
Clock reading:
12 h 47 min
